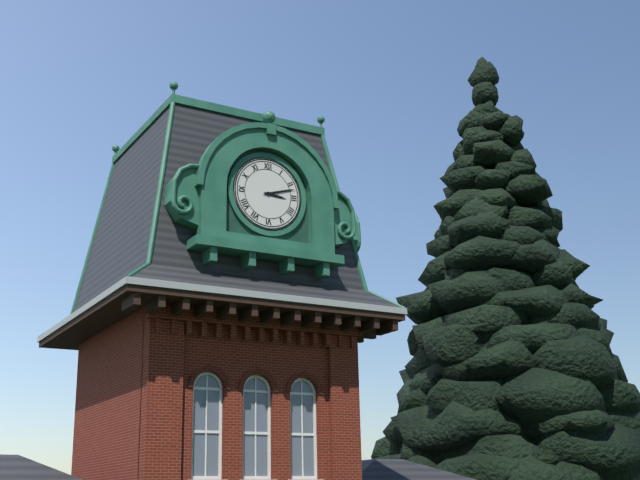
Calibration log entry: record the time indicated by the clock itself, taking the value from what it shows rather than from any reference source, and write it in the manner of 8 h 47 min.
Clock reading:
3 h 12 min
